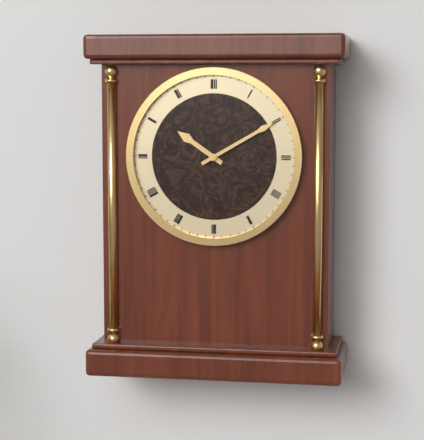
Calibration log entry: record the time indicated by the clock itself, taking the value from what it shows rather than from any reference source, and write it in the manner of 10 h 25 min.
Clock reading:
10 h 10 min
